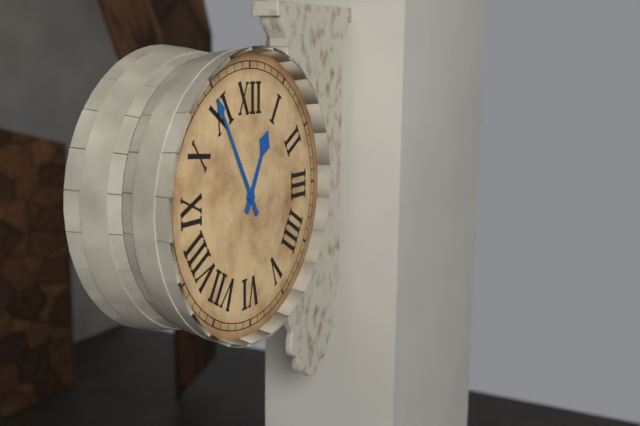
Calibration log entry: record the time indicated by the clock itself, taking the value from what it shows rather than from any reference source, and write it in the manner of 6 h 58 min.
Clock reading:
12 h 55 min
